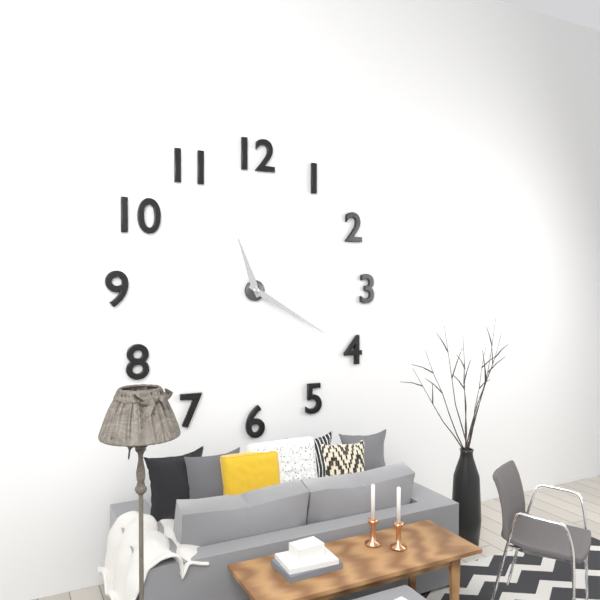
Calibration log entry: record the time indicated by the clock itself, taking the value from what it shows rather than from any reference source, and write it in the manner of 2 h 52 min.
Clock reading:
11 h 20 min
